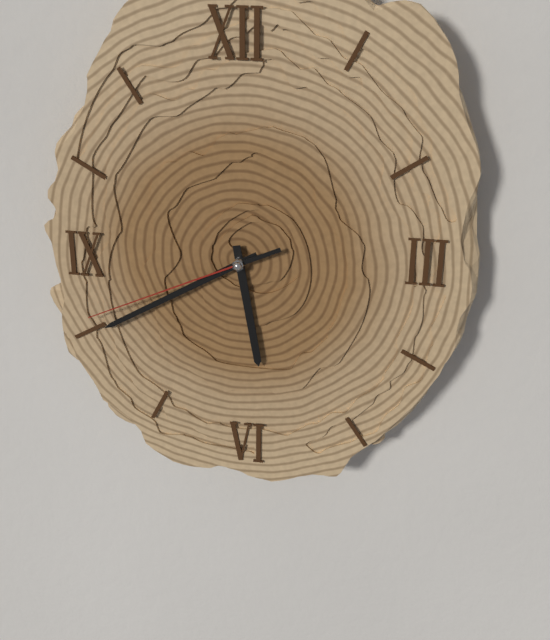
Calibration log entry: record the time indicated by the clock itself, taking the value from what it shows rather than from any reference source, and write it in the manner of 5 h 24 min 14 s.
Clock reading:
5 h 40 min 41 s
